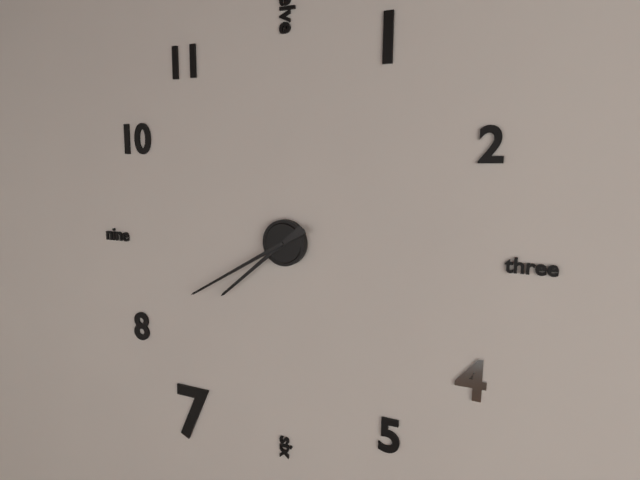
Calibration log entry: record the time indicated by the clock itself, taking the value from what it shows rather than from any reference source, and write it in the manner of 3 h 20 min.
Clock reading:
7 h 40 min
